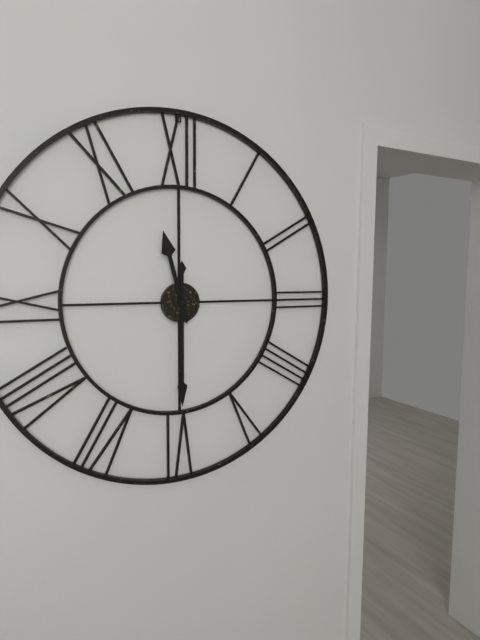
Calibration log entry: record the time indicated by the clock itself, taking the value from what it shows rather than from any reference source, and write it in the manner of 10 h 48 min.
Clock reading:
11 h 30 min
